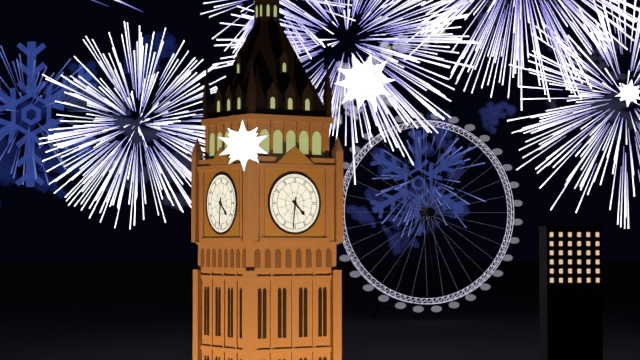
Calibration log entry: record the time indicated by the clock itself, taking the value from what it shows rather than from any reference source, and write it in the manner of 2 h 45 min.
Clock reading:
4 h 31 min
